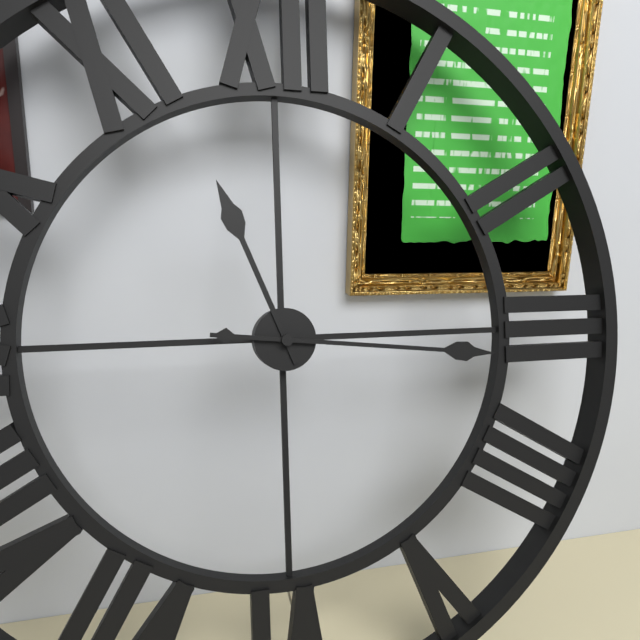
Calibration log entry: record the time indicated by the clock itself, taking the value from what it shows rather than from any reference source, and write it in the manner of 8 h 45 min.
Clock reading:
11 h 16 min
